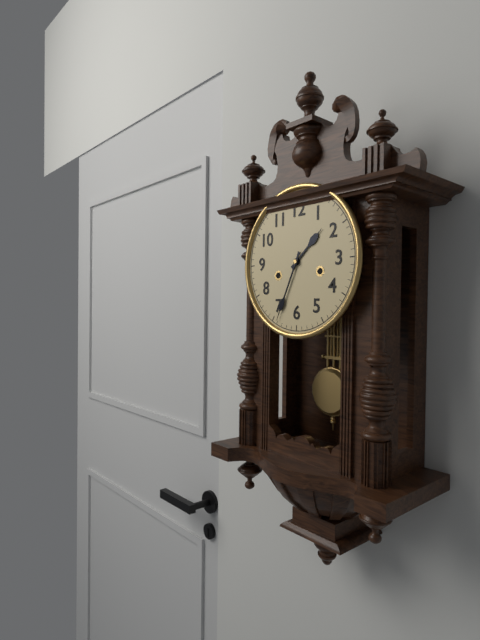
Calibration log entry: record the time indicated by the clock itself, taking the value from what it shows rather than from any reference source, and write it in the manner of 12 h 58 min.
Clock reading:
1 h 34 min
